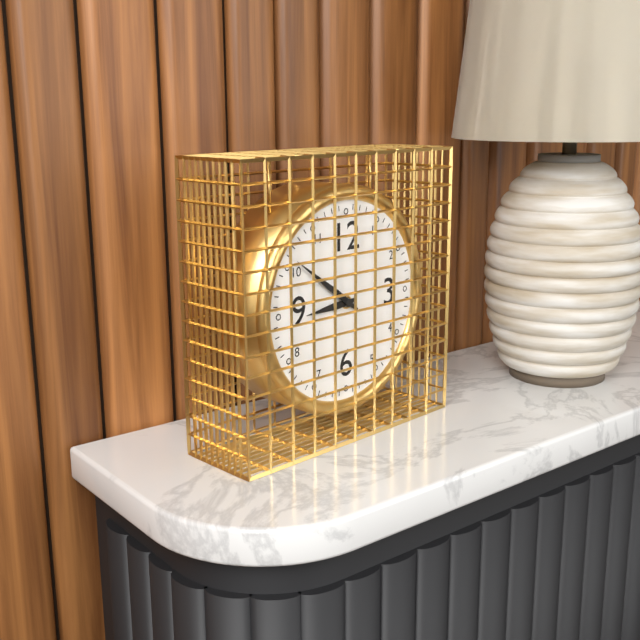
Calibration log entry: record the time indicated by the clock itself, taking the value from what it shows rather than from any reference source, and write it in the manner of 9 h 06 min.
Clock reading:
8 h 51 min
